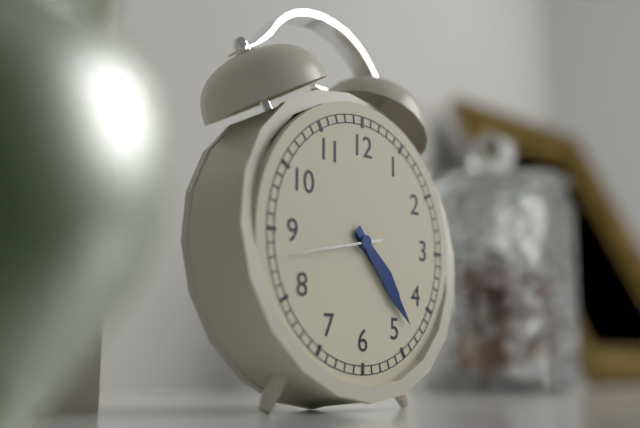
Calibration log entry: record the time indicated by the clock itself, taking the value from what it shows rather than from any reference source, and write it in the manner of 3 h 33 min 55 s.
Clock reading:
4 h 23 min 43 s
